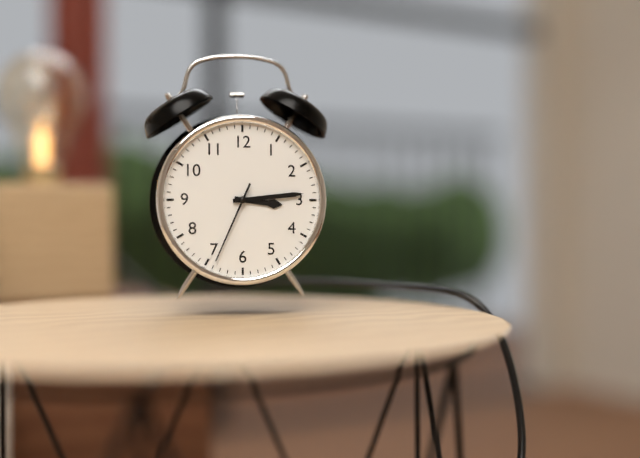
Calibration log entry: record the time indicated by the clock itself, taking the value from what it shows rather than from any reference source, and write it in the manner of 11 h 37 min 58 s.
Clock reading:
3 h 14 min 34 s
